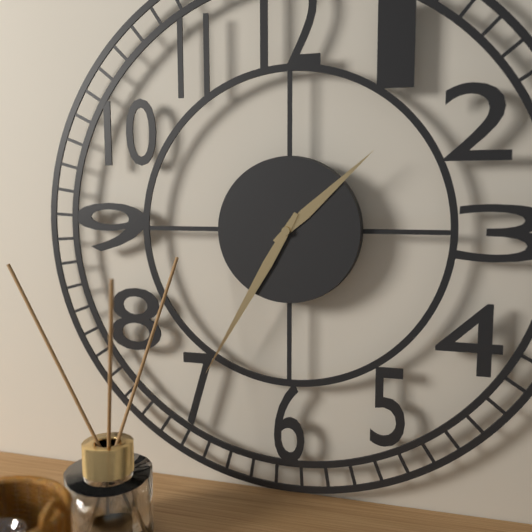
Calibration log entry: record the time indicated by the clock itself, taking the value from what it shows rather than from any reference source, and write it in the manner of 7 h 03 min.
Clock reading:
1 h 35 min
